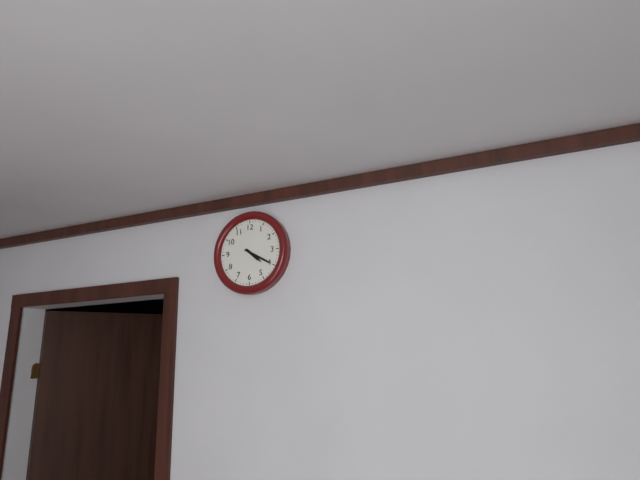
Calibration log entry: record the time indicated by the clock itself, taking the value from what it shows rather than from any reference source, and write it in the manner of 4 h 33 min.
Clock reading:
4 h 20 min
